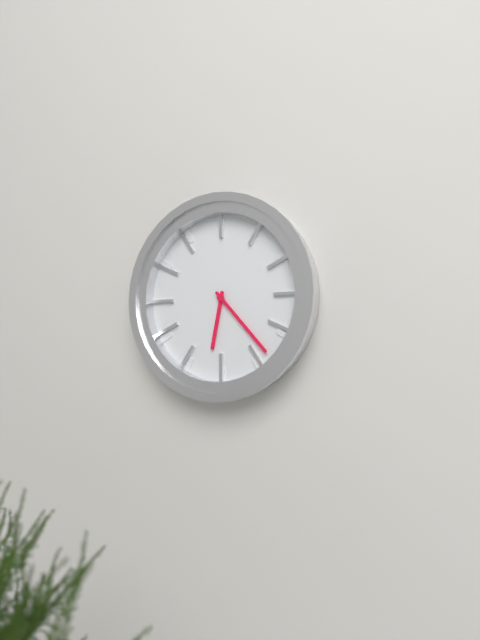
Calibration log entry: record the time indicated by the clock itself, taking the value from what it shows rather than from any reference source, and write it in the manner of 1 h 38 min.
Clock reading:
6 h 23 min
